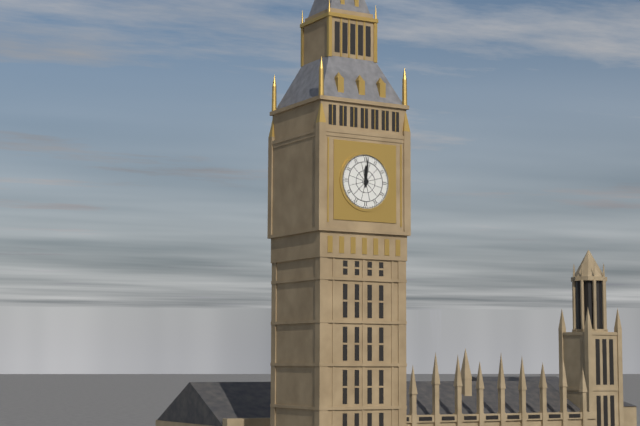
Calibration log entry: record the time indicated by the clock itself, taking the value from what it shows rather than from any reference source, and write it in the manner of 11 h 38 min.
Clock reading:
12 h 01 min
